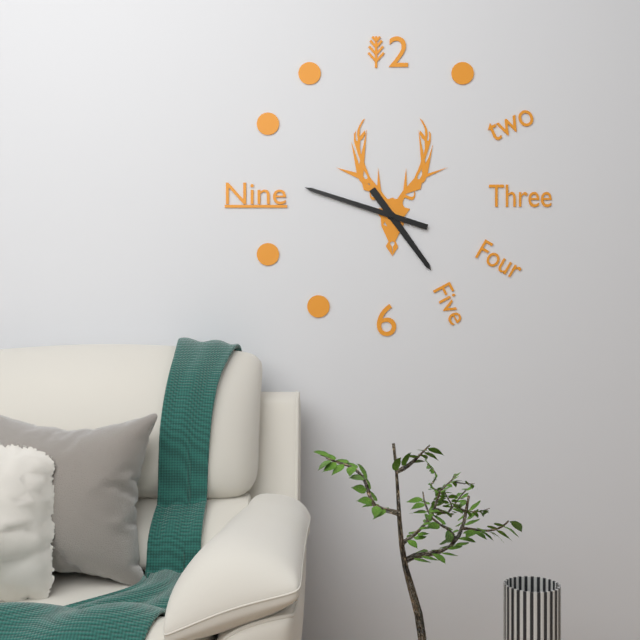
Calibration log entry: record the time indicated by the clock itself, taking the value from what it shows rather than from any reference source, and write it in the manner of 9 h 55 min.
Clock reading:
4 h 48 min
